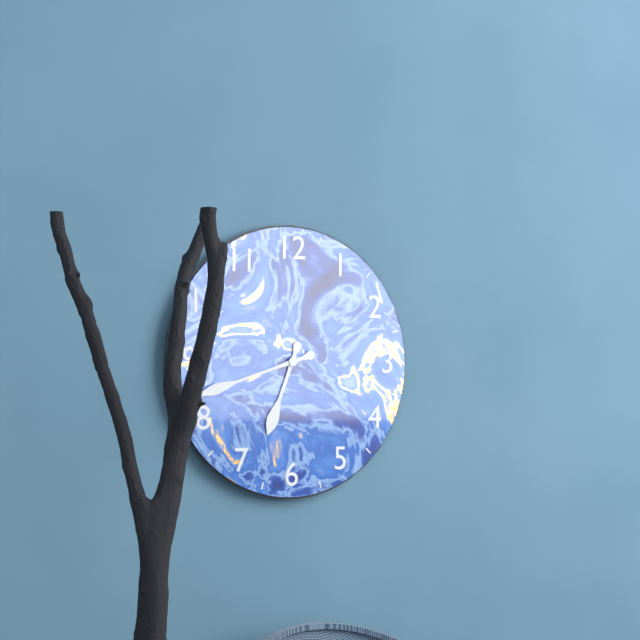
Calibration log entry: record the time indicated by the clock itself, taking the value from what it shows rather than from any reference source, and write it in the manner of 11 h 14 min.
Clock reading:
6 h 42 min
